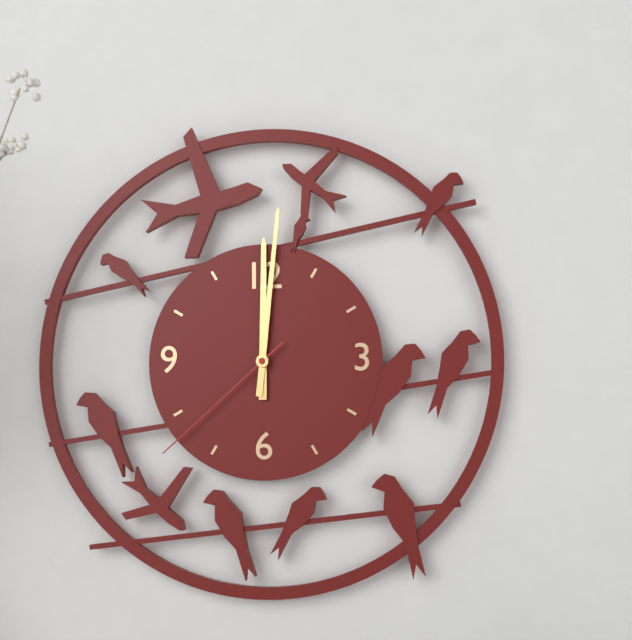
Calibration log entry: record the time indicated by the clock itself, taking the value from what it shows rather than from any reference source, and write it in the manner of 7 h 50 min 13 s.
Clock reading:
12 h 01 min 38 s
